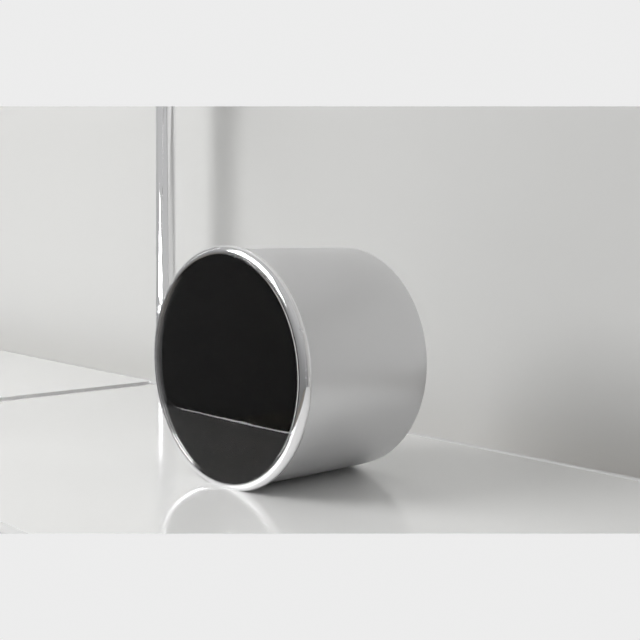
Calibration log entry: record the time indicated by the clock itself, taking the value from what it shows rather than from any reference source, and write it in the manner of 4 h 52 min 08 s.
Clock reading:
3 h 16 min 01 s
